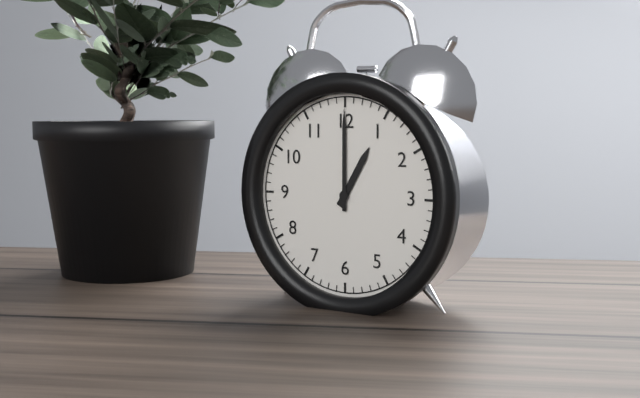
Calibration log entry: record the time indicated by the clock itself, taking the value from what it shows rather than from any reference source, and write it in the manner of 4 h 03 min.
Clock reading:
1 h 00 min
